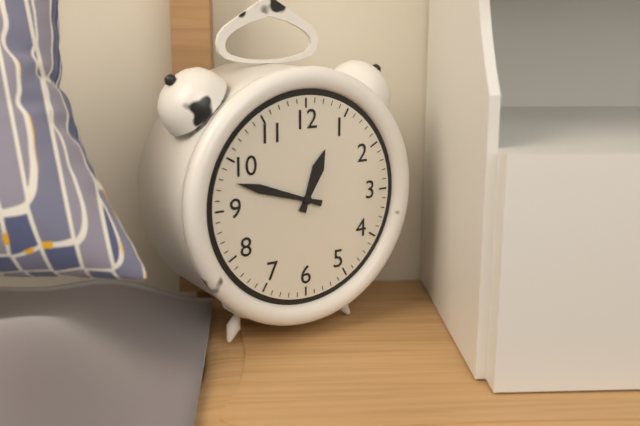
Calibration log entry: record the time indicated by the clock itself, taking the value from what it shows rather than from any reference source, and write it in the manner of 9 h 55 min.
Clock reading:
12 h 48 min
